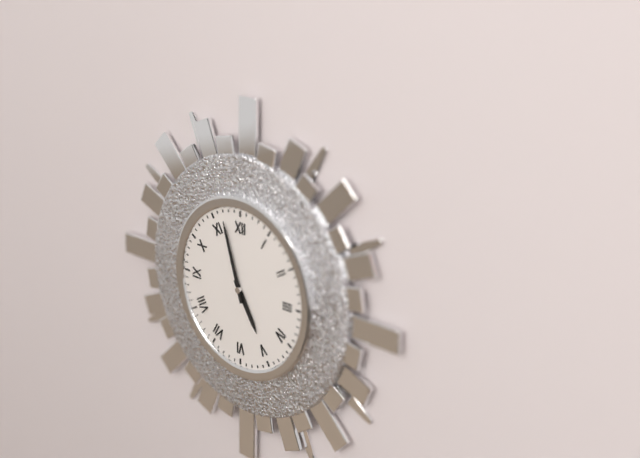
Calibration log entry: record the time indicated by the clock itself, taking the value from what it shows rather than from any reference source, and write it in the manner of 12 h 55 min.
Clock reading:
4 h 57 min
